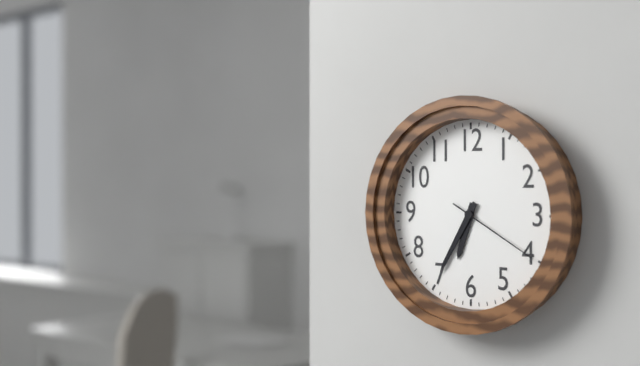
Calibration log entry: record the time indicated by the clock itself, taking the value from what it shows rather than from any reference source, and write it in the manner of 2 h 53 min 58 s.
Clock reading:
6 h 35 min 20 s
